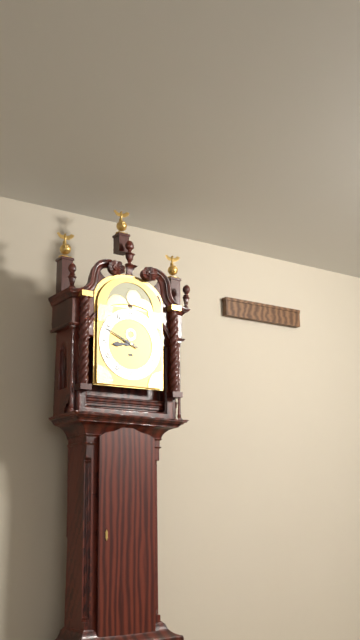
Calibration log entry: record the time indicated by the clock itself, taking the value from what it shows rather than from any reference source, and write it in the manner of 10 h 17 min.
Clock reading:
8 h 49 min
